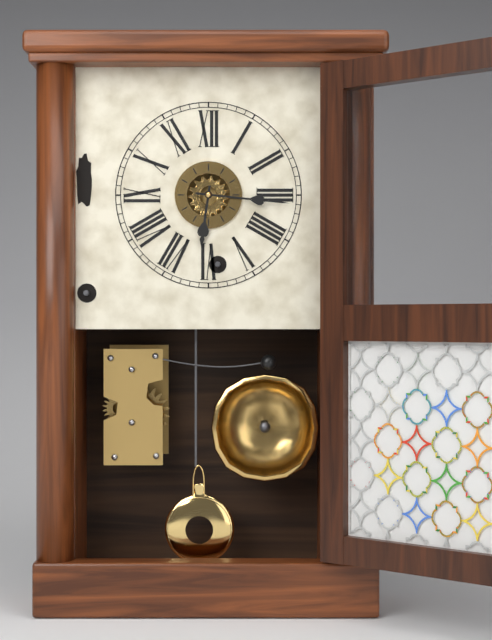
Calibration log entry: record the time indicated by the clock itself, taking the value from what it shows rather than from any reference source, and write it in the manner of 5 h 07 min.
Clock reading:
6 h 16 min
